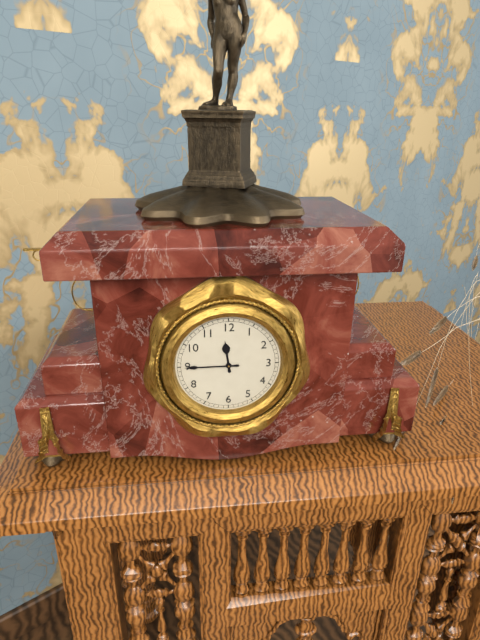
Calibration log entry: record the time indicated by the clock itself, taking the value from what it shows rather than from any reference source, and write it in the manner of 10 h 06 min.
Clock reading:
11 h 45 min
